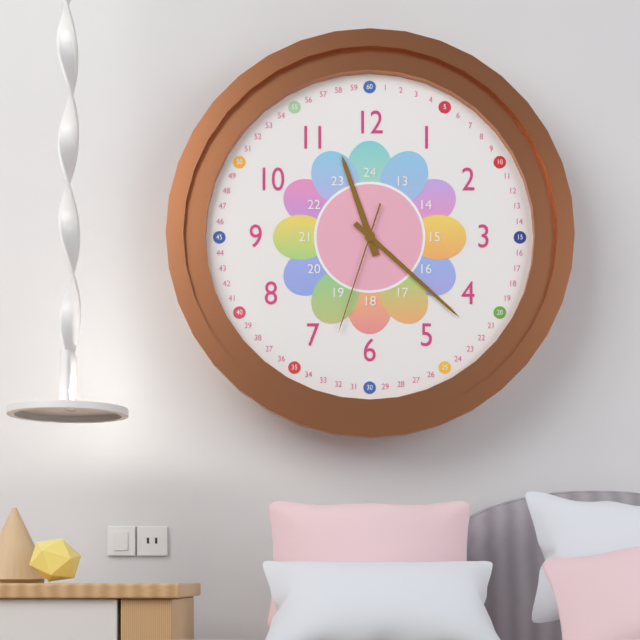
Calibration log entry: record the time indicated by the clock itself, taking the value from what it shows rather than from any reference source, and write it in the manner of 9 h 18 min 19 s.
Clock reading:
11 h 22 min 33 s
